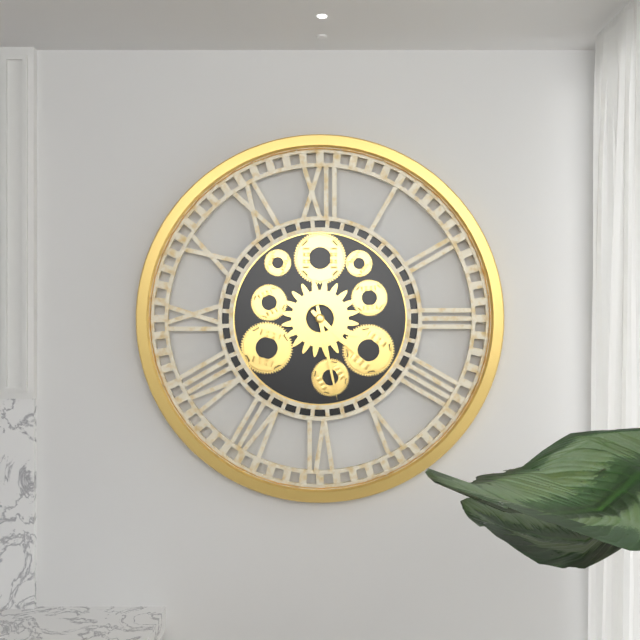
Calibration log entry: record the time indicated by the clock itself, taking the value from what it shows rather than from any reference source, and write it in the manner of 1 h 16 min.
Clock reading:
4 h 28 min
